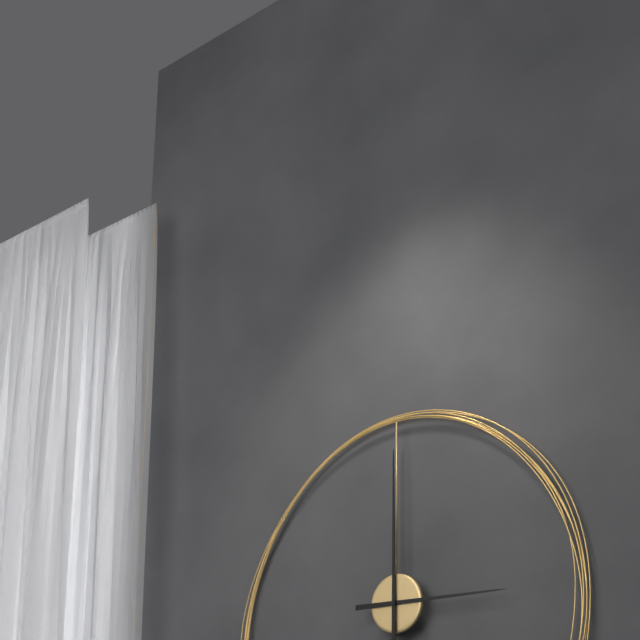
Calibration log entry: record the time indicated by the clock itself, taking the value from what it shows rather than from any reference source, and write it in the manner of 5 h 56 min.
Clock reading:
3 h 00 min
